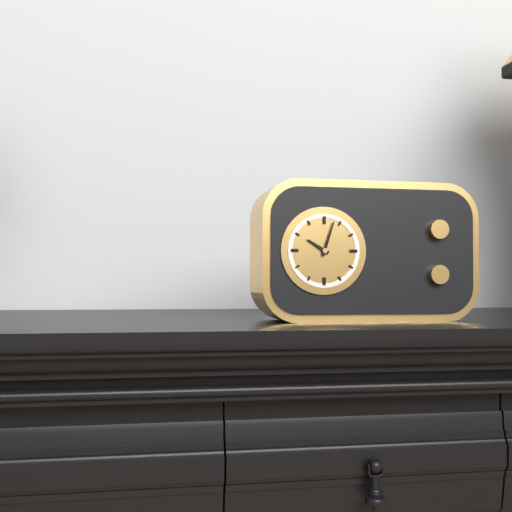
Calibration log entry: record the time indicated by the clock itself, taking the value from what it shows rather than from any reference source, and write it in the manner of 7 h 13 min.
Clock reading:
10 h 03 min
